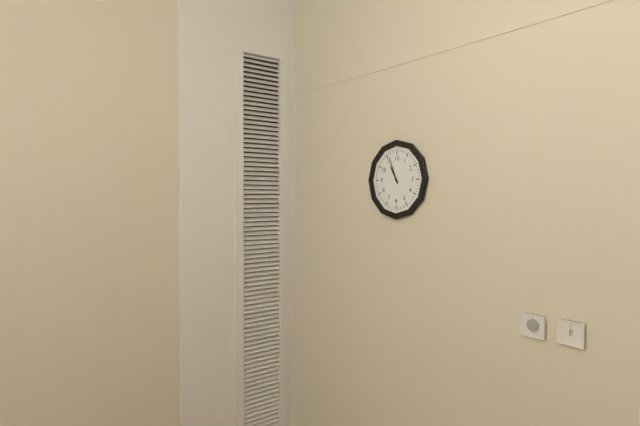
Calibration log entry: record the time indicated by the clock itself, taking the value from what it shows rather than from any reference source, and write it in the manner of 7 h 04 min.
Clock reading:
10 h 56 min
